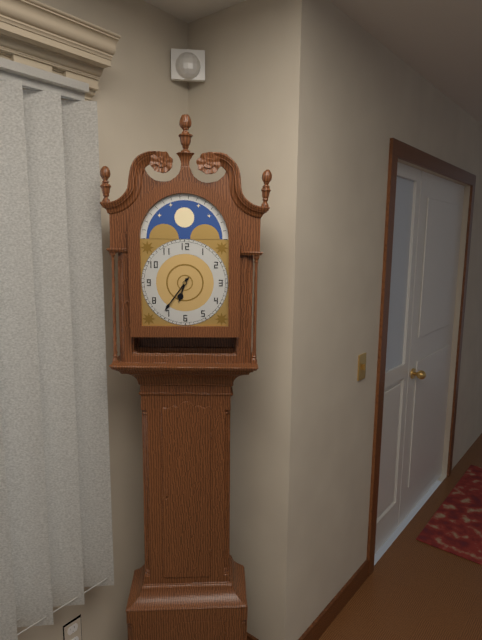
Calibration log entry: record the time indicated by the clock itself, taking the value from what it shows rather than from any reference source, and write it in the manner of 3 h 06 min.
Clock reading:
6 h 36 min
